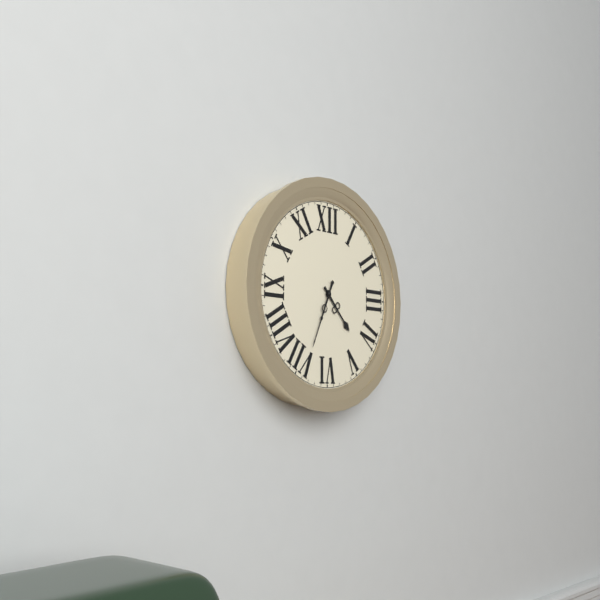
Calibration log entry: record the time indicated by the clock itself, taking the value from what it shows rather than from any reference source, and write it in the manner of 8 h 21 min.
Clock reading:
4 h 34 min
